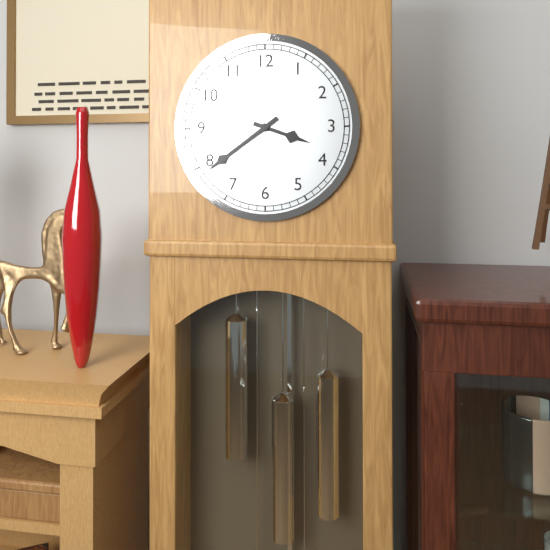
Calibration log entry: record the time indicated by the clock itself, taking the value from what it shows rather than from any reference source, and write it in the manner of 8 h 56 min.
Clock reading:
3 h 39 min
